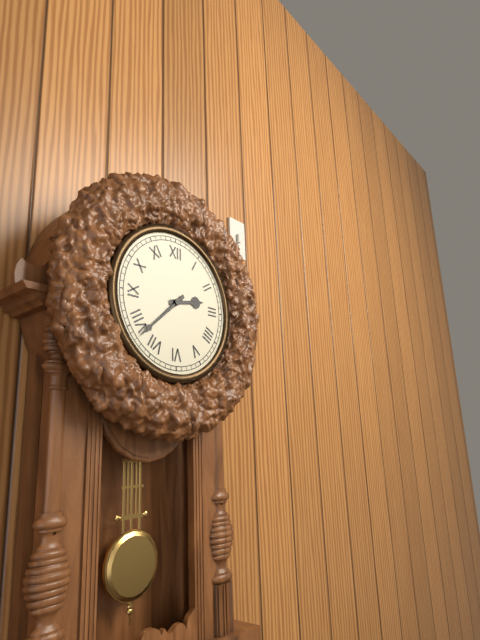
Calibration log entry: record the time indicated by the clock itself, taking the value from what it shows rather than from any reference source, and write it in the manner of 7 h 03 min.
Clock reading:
2 h 38 min
